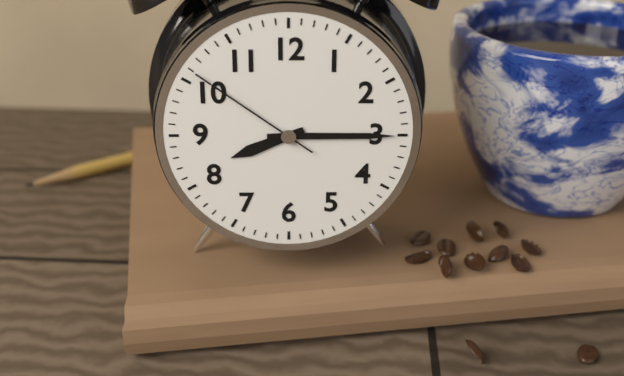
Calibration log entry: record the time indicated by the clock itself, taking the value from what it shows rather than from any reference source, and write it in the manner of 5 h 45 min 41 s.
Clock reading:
8 h 15 min 51 s
